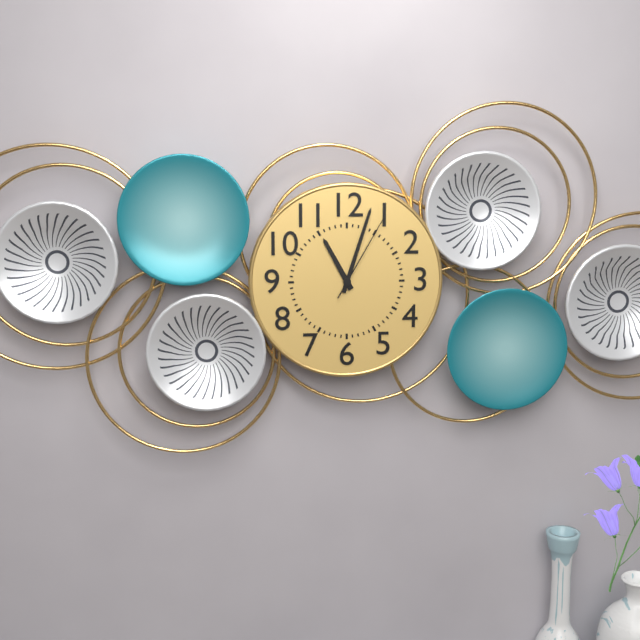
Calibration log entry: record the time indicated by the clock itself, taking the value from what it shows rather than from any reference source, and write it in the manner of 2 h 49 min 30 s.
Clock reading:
11 h 03 min 05 s
